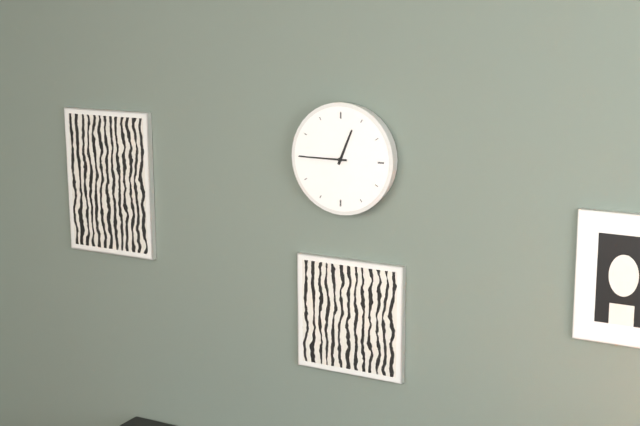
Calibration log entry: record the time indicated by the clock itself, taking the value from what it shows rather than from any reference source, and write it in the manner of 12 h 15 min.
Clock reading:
12 h 45 min
